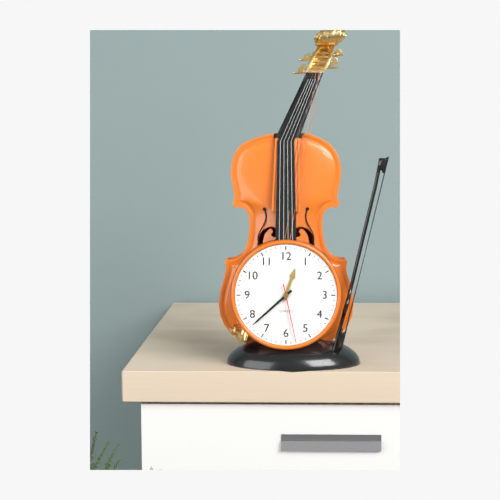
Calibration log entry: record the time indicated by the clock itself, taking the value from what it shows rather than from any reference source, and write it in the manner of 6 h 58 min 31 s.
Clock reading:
12 h 38 min 28 s
